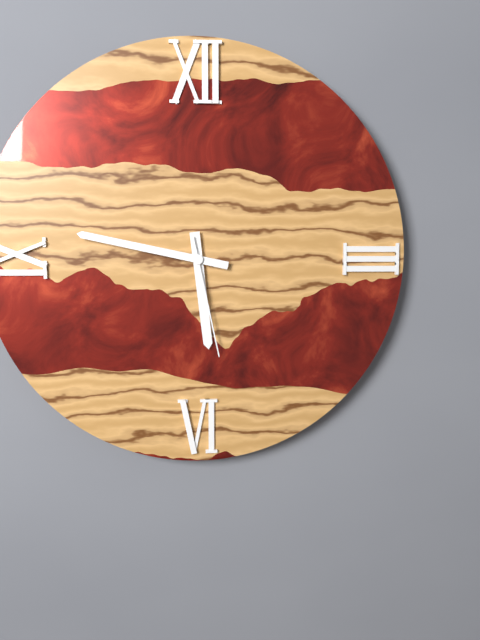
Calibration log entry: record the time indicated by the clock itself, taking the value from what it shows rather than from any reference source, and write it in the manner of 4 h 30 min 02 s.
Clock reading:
5 h 47 min 28 s
